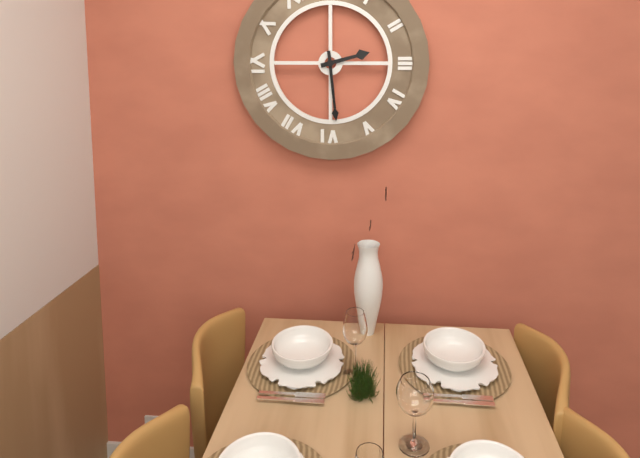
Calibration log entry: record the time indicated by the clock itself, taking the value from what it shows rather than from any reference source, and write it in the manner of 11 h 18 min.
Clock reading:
2 h 29 min
